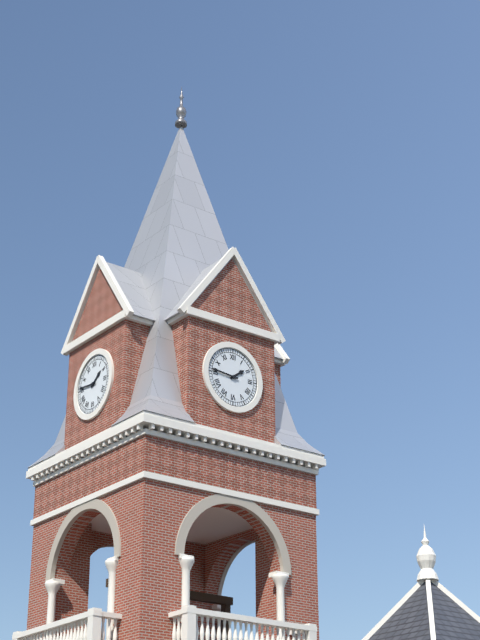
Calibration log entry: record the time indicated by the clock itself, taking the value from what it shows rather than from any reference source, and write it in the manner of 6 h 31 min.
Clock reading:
1 h 46 min
